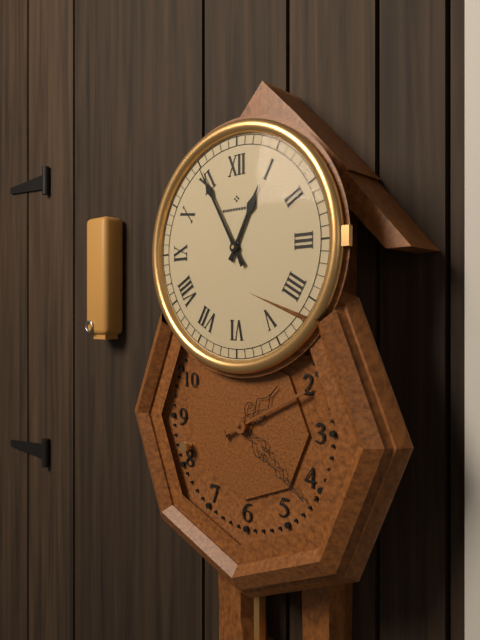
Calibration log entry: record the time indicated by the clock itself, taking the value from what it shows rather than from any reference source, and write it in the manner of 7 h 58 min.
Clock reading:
12 h 55 min
